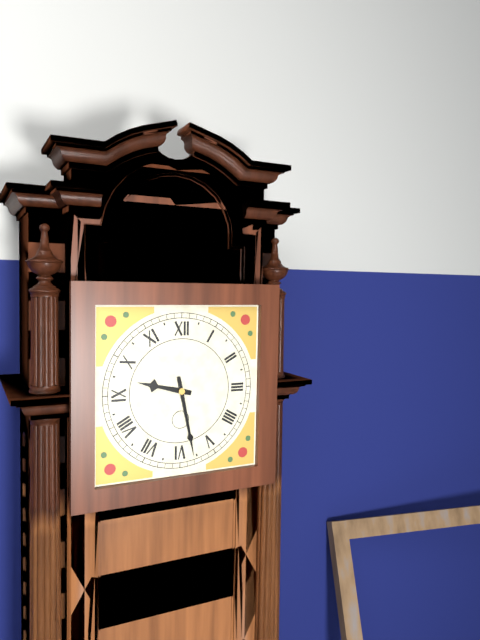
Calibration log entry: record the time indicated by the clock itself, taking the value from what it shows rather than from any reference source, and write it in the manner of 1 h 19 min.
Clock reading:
9 h 28 min
